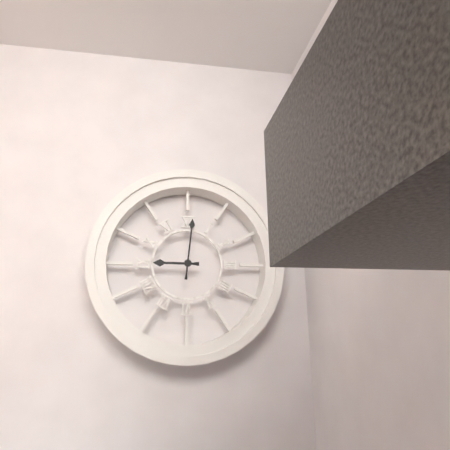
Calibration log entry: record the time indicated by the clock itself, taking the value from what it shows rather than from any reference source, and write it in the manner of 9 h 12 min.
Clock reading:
9 h 01 min
